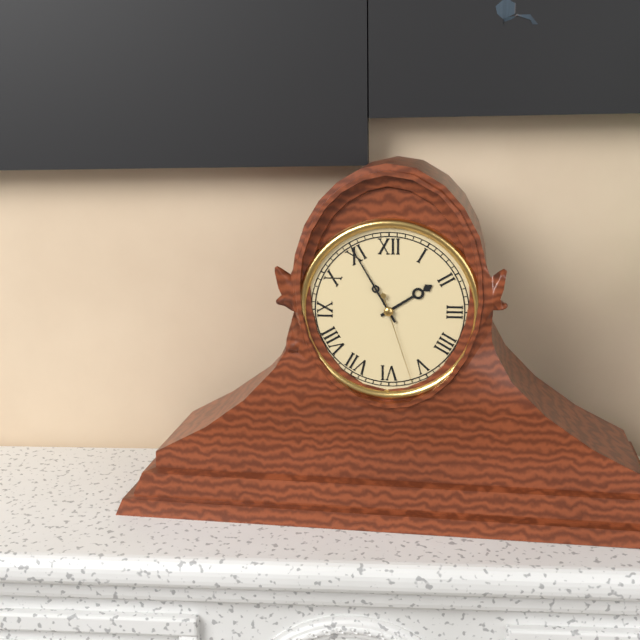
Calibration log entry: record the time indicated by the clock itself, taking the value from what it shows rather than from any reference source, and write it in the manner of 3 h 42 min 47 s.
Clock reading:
1 h 55 min 27 s
